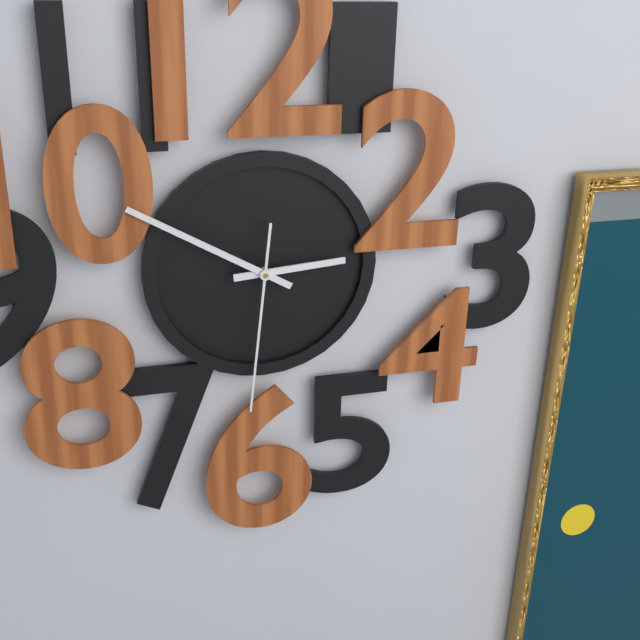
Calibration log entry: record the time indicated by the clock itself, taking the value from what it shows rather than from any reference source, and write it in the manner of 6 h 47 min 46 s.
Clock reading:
2 h 50 min 31 s
